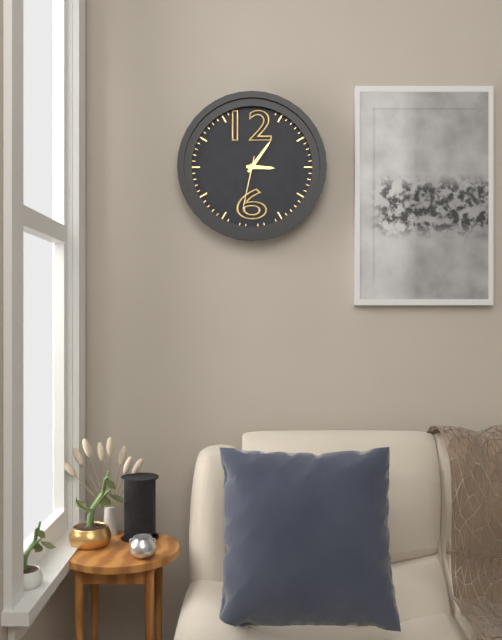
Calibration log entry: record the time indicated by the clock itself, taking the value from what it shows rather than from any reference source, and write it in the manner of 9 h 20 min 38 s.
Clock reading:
3 h 06 min 32 s
